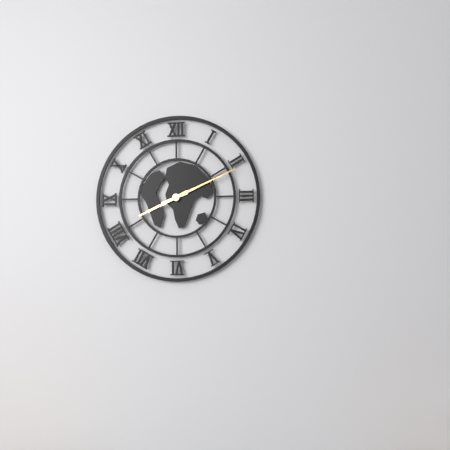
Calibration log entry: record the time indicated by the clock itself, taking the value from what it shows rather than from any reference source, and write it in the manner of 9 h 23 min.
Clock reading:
8 h 11 min
